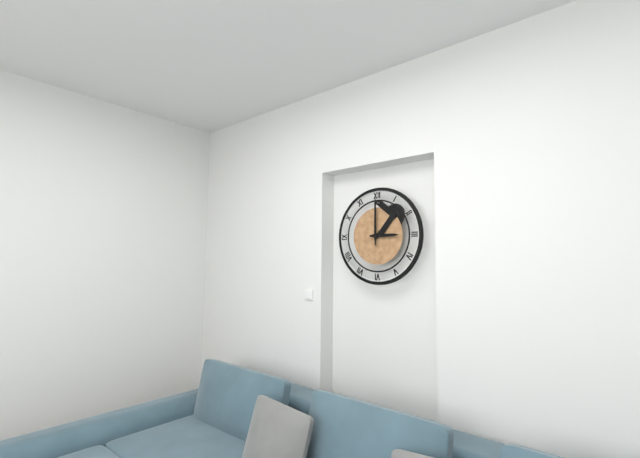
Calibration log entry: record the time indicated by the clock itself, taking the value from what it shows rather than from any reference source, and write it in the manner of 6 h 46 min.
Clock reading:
3 h 00 min
